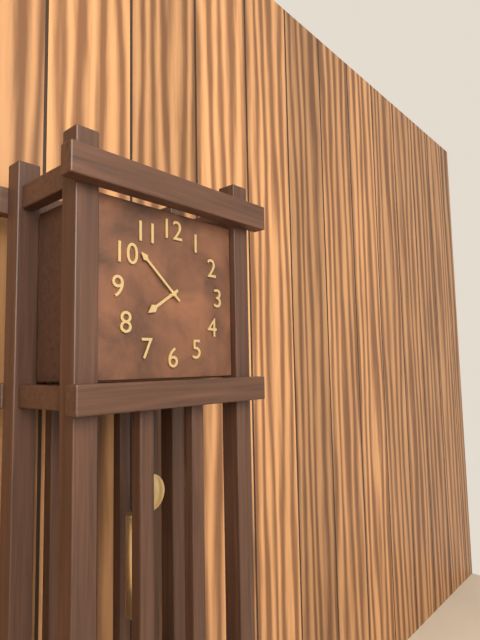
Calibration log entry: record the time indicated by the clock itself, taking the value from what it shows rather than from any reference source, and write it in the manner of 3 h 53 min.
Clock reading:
7 h 52 min
